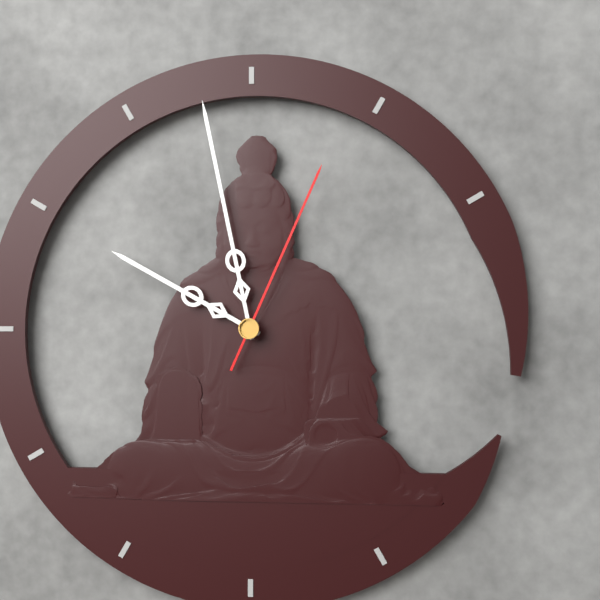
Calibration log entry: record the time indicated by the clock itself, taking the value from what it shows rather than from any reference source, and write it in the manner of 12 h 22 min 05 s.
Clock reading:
9 h 58 min 04 s
